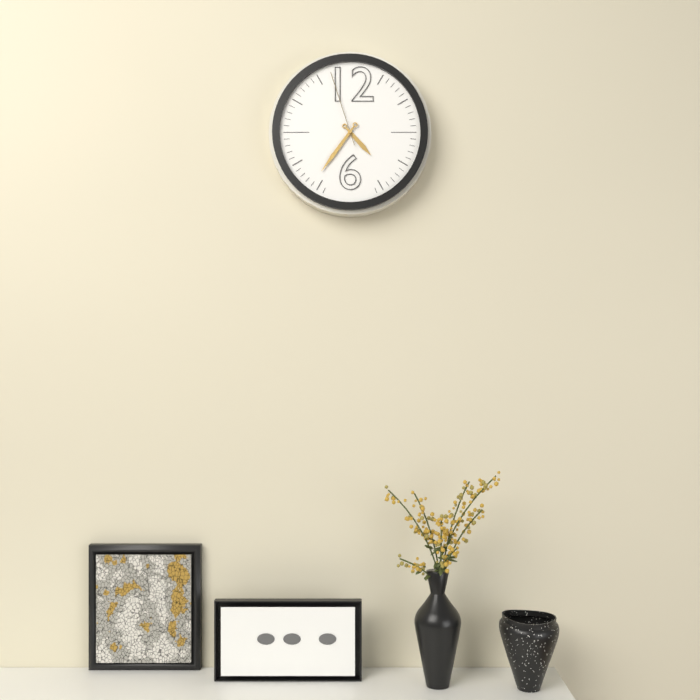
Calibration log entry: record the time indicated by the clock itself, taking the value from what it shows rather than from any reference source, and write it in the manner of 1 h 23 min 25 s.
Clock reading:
4 h 36 min 57 s
